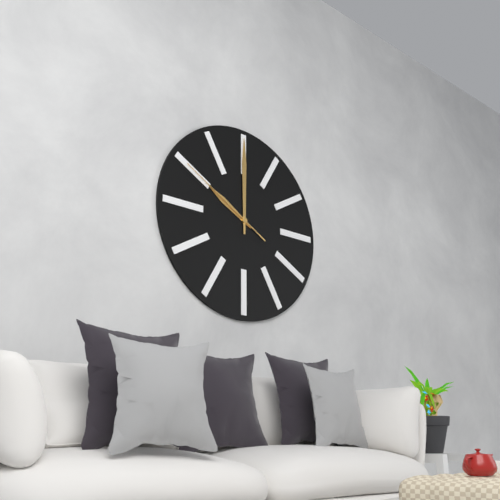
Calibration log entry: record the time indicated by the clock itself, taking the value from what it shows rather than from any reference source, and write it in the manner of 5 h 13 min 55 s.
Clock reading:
10 h 00 min 50 s
